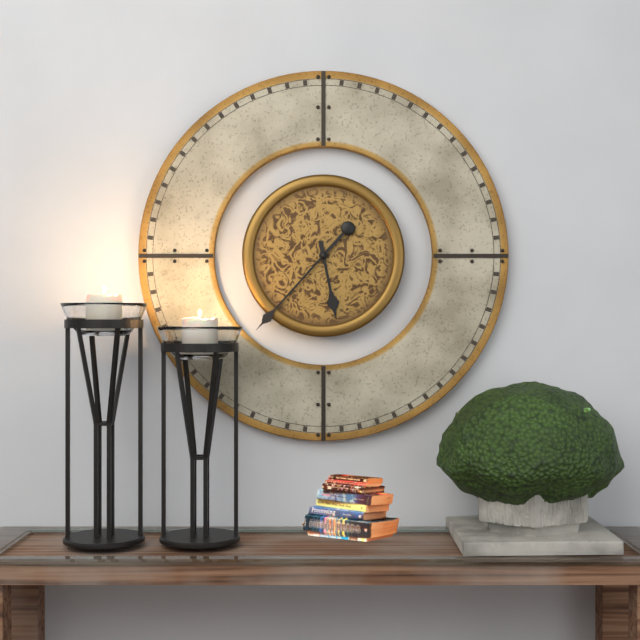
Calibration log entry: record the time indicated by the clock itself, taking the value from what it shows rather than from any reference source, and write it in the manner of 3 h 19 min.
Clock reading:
5 h 37 min
